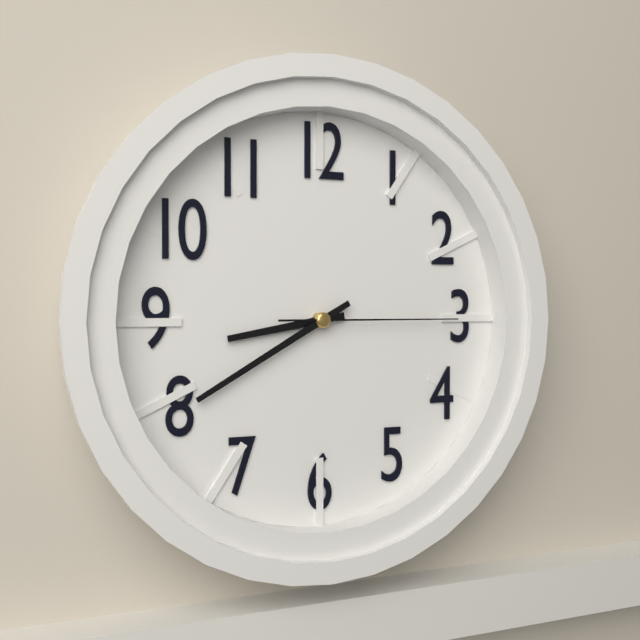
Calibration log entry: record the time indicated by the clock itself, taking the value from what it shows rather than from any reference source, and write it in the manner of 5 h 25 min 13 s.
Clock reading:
8 h 40 min 15 s
